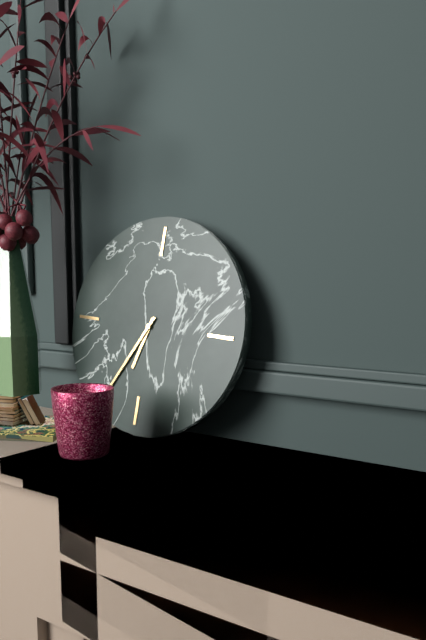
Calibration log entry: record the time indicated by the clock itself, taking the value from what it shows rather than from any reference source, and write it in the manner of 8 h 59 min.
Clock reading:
6 h 35 min
